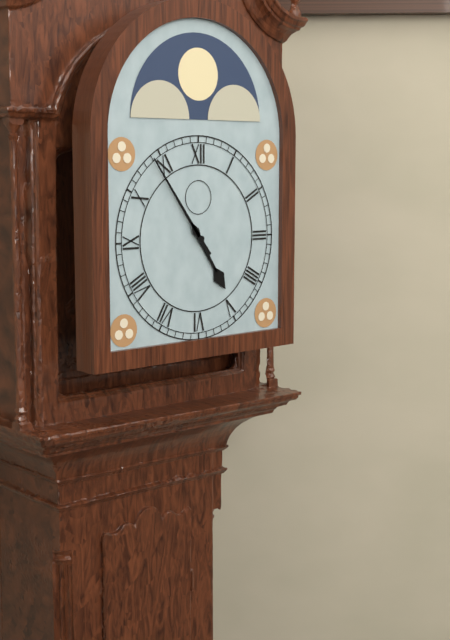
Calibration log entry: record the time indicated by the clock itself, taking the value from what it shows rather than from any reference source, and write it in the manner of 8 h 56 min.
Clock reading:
4 h 54 min
